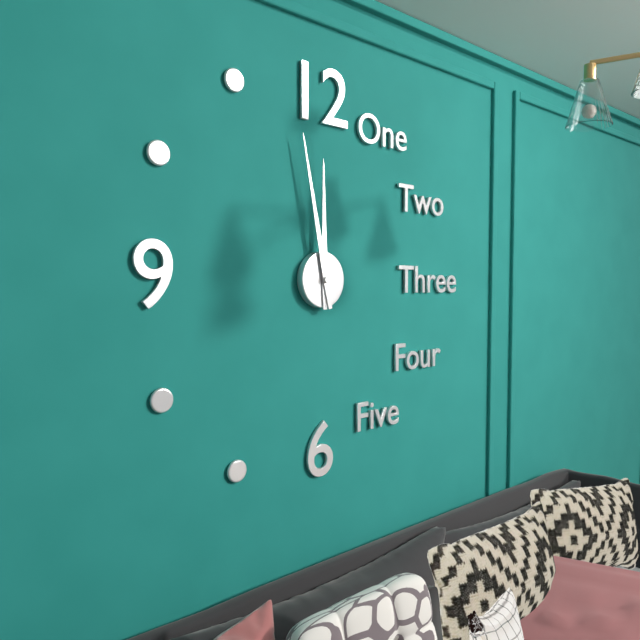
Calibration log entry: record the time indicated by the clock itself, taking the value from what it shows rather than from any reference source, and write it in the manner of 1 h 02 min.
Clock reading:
11 h 58 min
